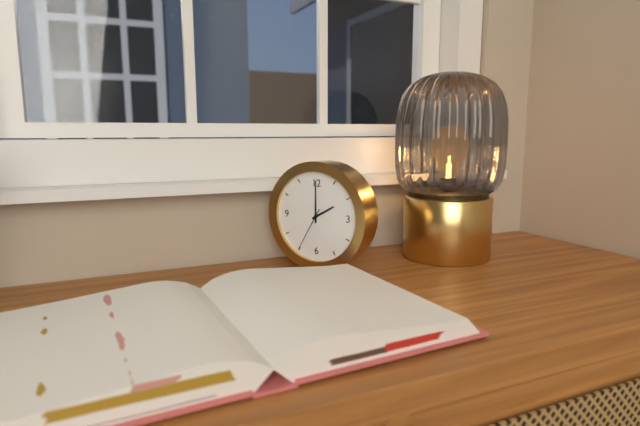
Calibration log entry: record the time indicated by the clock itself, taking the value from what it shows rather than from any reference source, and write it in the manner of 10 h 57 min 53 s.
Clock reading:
2 h 00 min 35 s
